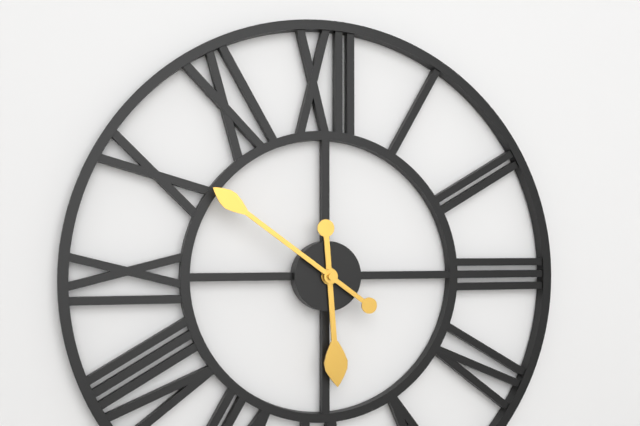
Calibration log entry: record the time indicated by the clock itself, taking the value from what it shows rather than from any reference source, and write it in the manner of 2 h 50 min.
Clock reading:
5 h 51 min
